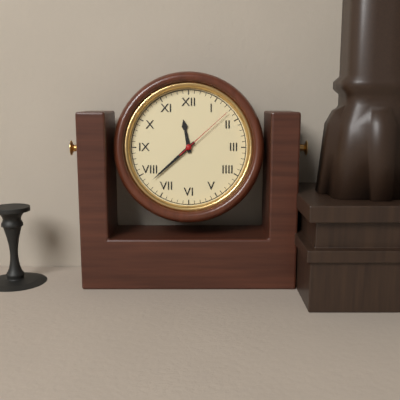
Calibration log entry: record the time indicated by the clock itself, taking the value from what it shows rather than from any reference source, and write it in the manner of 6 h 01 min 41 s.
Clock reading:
11 h 38 min 08 s
